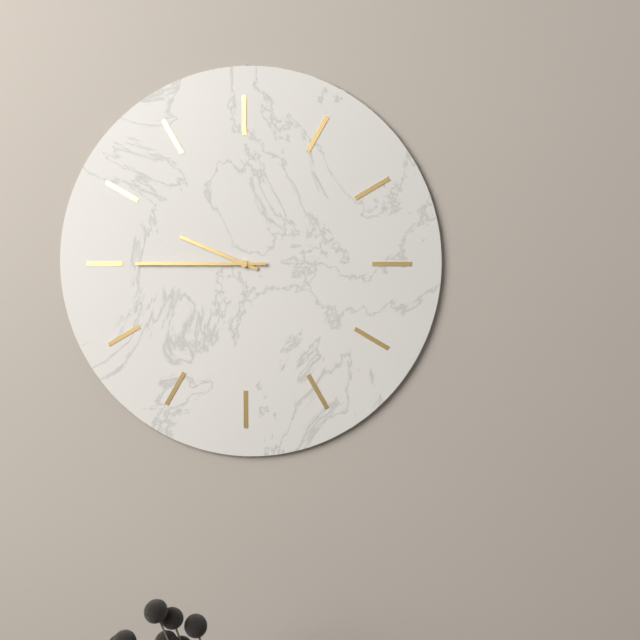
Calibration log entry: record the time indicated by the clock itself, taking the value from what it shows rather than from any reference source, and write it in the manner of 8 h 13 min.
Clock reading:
9 h 45 min
